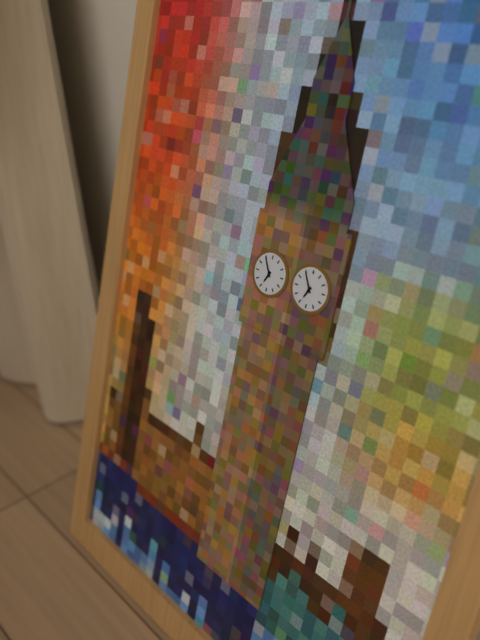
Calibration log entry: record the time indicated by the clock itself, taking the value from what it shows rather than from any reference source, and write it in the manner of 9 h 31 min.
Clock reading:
6 h 55 min
